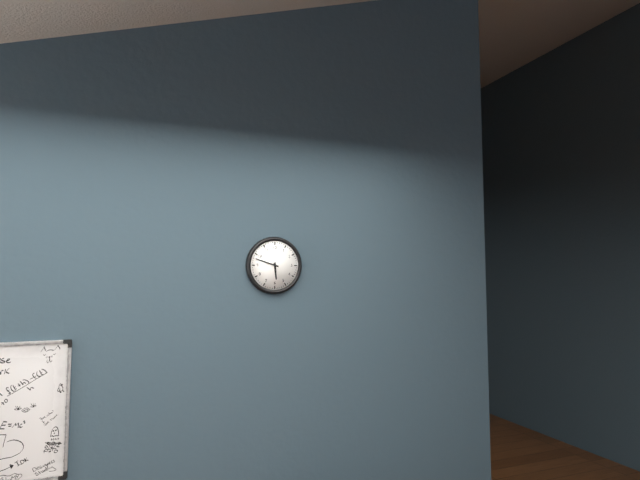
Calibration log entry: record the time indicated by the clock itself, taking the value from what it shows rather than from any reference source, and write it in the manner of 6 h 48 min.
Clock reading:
5 h 48 min
